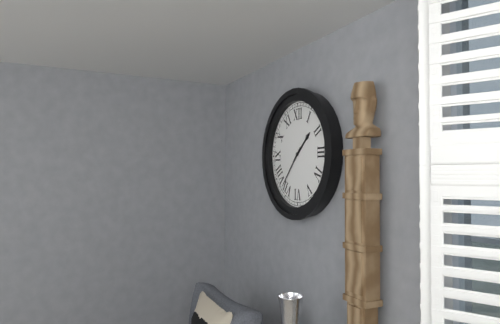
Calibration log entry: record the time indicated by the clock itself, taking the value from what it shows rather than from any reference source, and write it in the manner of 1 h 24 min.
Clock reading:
1 h 37 min
